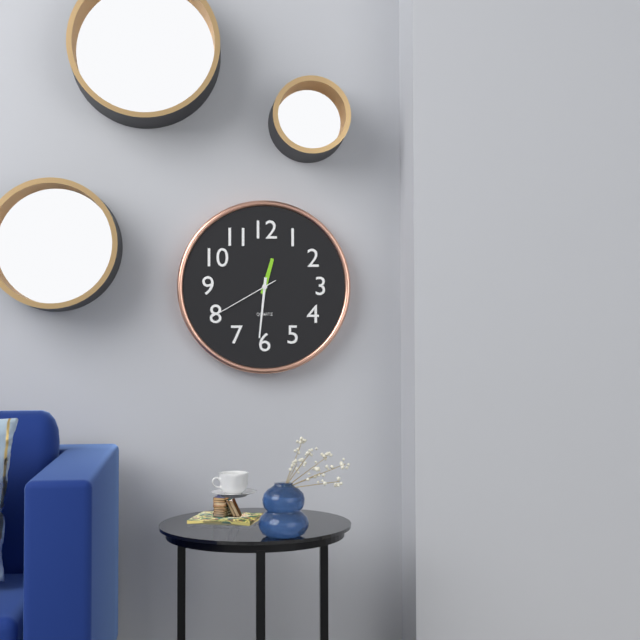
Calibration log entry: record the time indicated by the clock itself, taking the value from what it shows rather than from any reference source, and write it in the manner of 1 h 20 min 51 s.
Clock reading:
12 h 31 min 40 s
